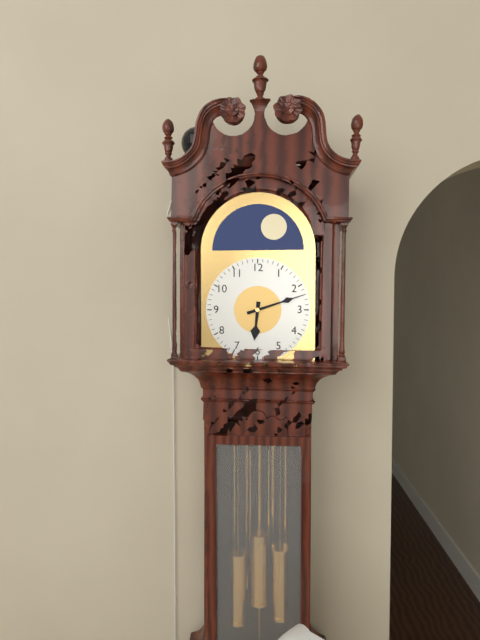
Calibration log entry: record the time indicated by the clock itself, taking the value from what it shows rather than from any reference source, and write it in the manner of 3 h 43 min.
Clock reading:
6 h 12 min
